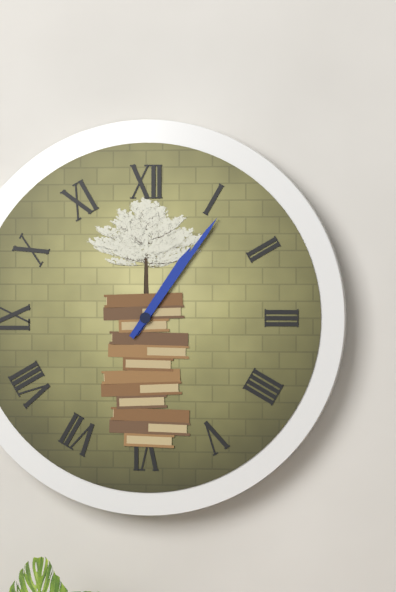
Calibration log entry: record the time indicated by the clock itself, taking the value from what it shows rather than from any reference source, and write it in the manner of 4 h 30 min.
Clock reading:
1 h 06 min
